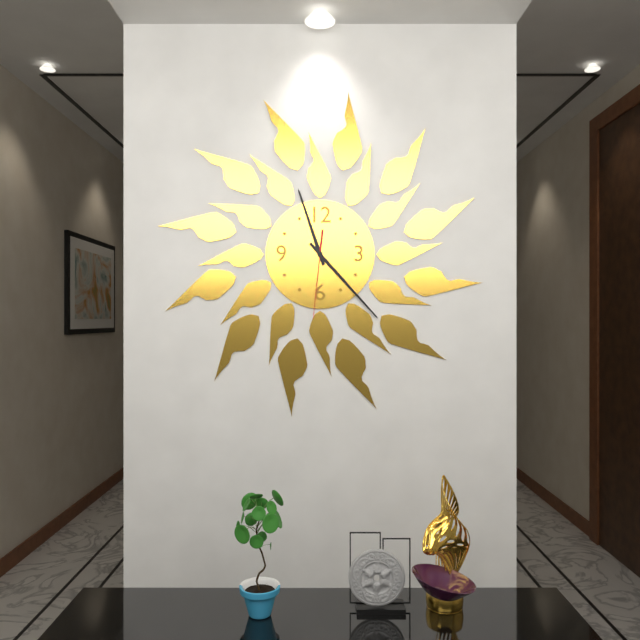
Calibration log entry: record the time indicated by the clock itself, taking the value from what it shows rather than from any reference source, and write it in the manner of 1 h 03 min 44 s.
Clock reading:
11 h 23 min 31 s
